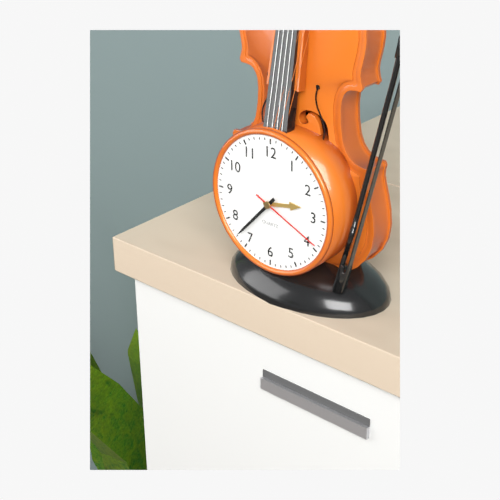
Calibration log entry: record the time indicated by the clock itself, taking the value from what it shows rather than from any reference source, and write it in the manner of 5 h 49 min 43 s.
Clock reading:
2 h 37 min 19 s
